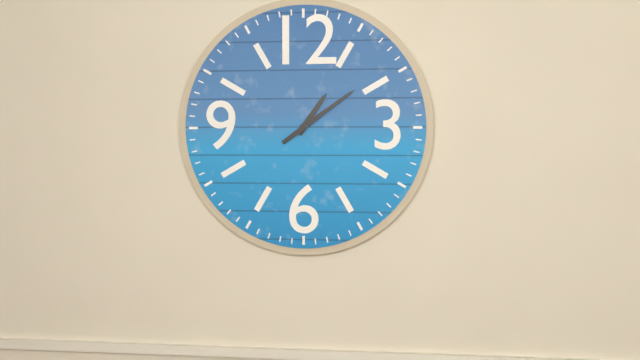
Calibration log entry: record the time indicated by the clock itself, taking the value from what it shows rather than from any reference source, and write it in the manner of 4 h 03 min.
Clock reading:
1 h 09 min
